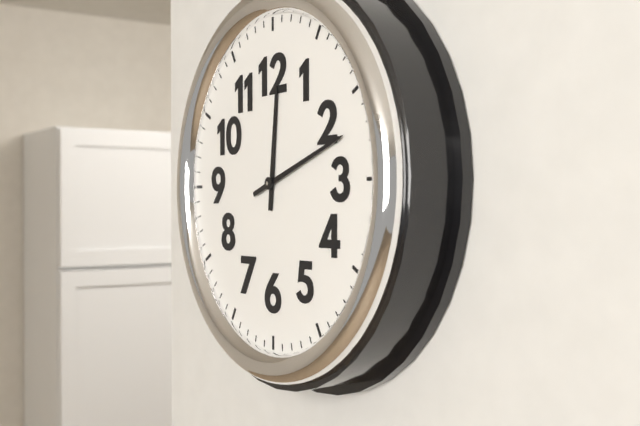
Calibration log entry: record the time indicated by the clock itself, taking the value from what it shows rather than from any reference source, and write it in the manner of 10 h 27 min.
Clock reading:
12 h 12 min
